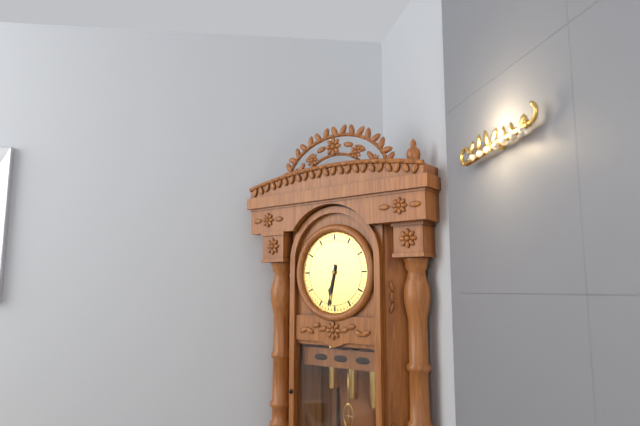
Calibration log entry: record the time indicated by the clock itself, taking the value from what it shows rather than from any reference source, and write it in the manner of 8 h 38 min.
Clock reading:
6 h 32 min
